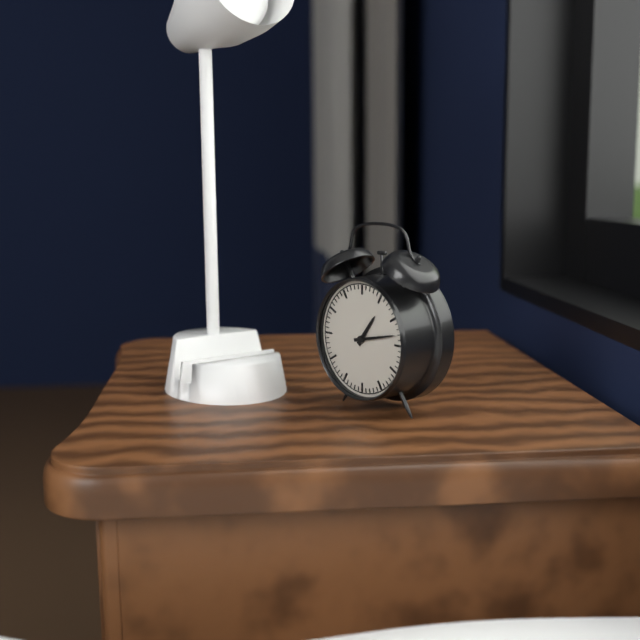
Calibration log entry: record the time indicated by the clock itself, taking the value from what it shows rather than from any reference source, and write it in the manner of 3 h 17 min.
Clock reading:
1 h 13 min
